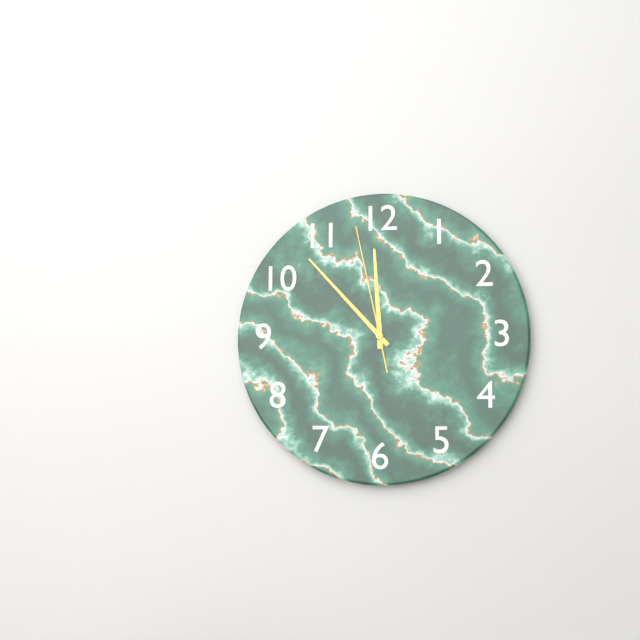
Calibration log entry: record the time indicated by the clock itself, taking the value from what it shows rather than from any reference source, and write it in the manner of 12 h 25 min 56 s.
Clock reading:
11 h 53 min 58 s
